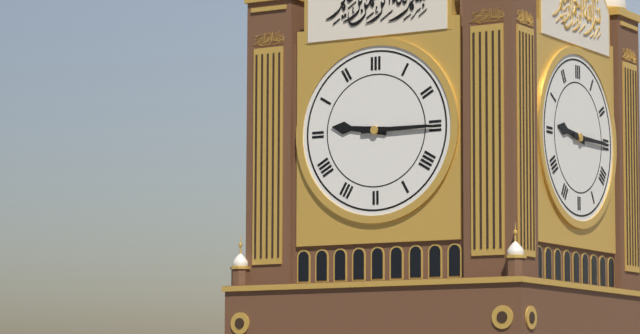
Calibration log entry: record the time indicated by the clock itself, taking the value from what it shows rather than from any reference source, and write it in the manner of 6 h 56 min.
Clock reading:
9 h 15 min
